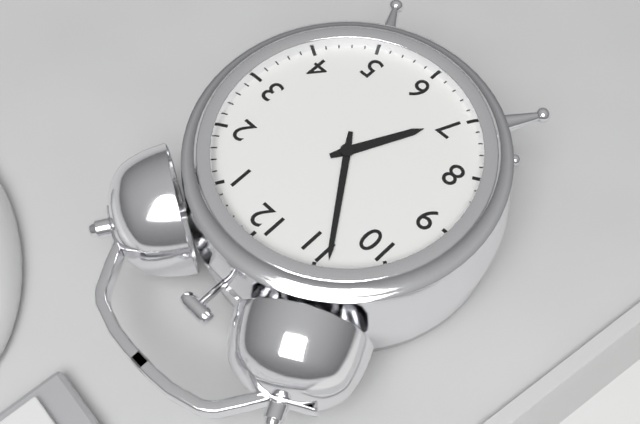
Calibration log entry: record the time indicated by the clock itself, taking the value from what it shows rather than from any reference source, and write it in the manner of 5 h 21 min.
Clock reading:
6 h 54 min
